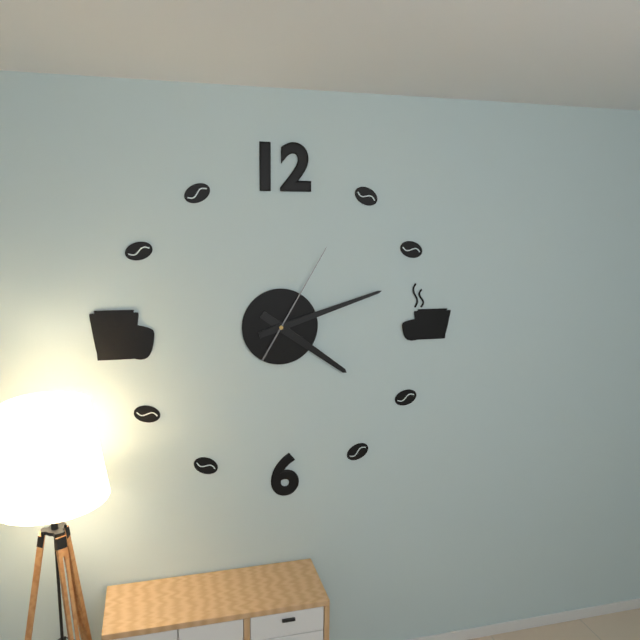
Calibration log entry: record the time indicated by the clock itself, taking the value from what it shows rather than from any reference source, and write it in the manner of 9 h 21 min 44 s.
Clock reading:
4 h 12 min 05 s
